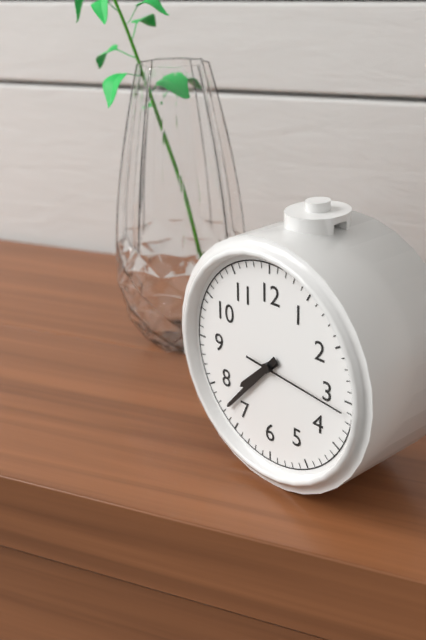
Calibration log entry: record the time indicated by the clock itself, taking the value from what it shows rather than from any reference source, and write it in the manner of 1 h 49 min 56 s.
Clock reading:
7 h 37 min 16 s
